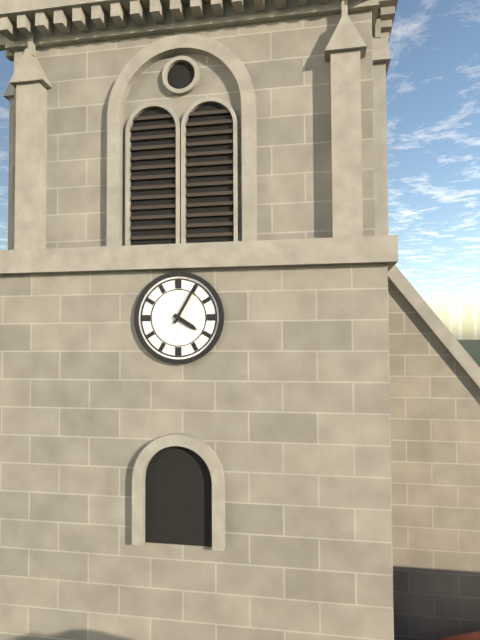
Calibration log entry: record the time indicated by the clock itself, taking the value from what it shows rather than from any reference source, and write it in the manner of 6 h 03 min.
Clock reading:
4 h 05 min
